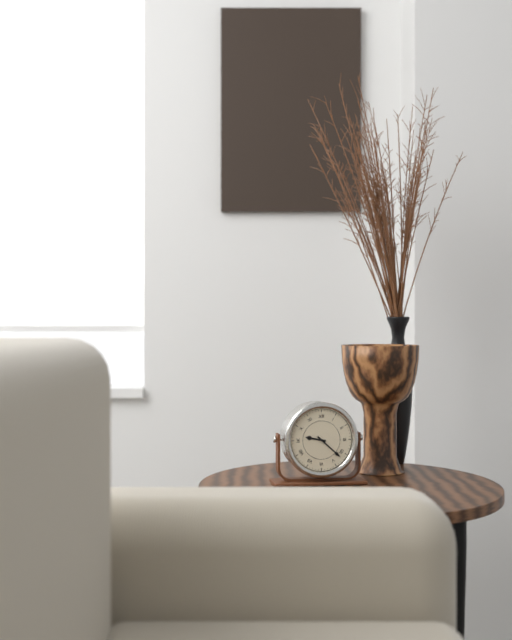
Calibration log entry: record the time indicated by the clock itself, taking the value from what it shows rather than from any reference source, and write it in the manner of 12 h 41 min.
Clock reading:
9 h 22 min
